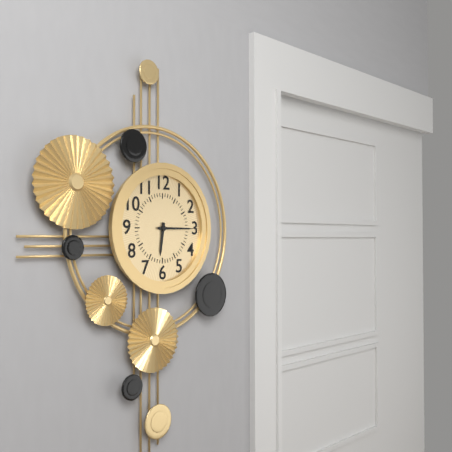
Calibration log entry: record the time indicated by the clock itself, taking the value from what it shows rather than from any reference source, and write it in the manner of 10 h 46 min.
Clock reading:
6 h 15 min
